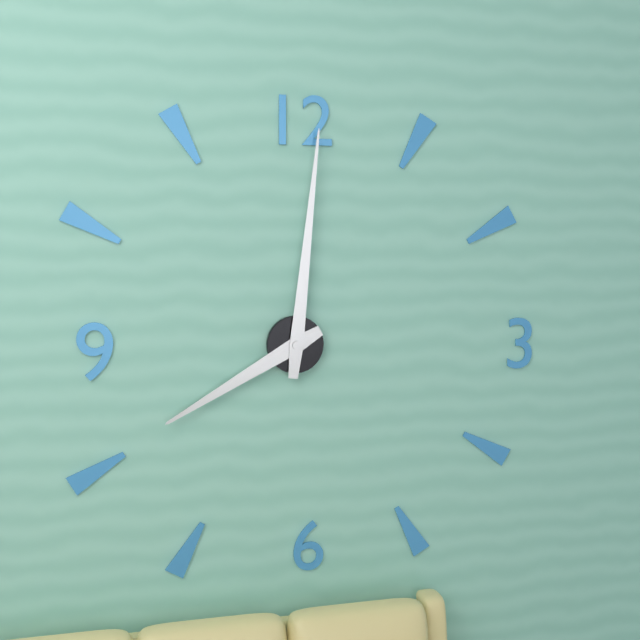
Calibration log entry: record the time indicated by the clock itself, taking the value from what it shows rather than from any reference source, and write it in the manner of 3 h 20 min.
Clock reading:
8 h 01 min
